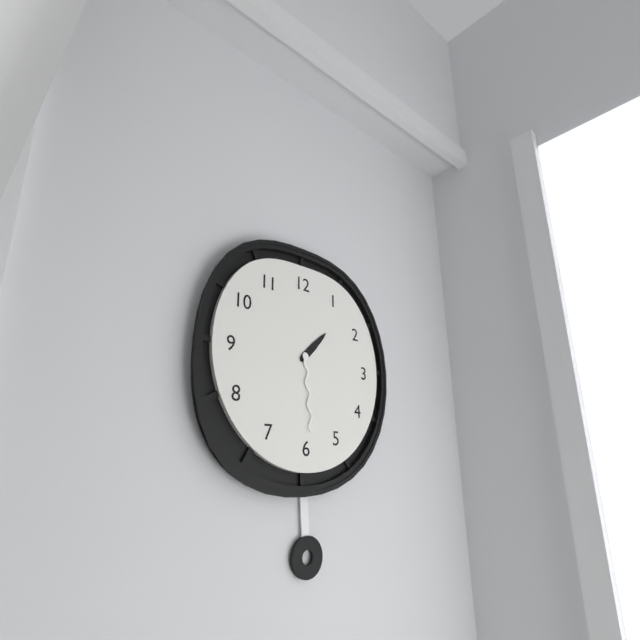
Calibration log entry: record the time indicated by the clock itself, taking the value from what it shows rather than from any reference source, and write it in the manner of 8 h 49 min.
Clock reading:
1 h 29 min
